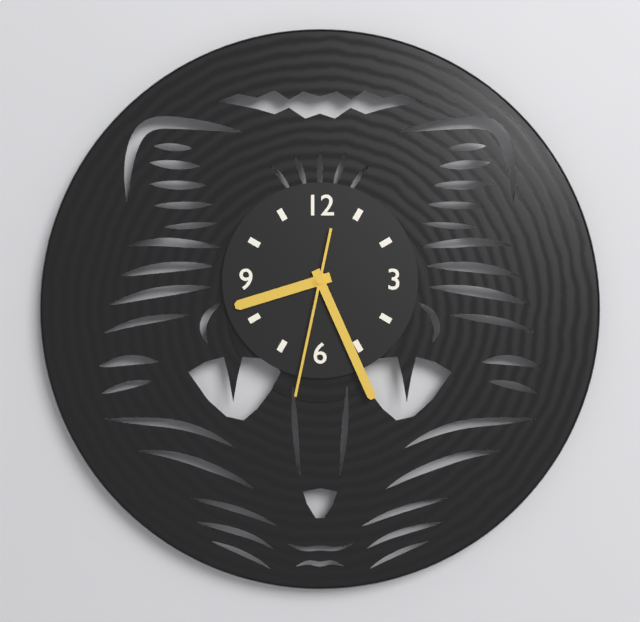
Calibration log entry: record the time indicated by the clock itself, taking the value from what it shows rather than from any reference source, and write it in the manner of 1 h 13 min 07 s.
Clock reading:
8 h 26 min 32 s
